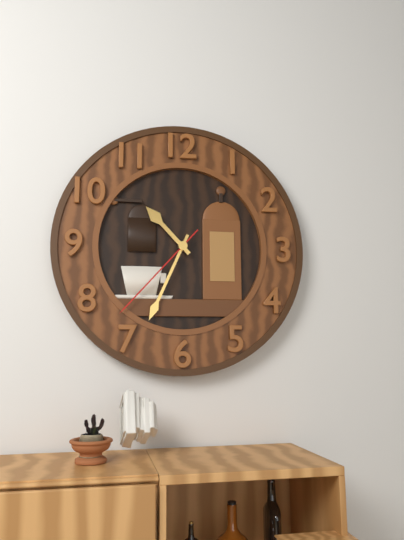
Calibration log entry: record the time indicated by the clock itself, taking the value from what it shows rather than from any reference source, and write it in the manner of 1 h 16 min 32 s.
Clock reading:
10 h 34 min 37 s
